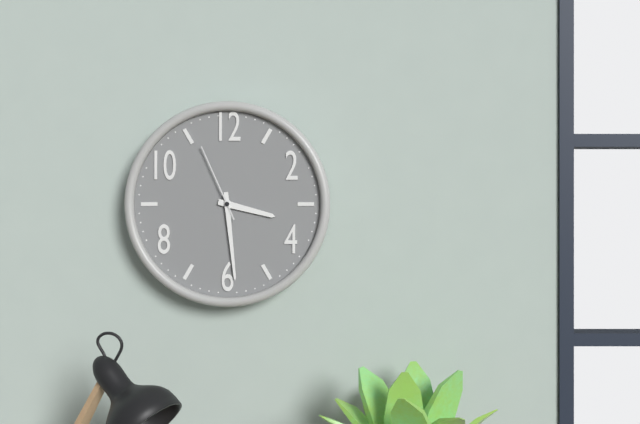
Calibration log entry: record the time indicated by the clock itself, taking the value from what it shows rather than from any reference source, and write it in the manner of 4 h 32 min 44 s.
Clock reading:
3 h 29 min 56 s
